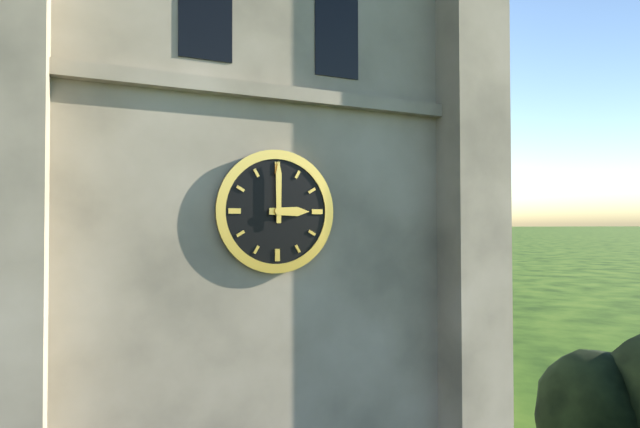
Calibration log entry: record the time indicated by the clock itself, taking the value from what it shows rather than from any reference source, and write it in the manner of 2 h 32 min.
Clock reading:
3 h 00 min
